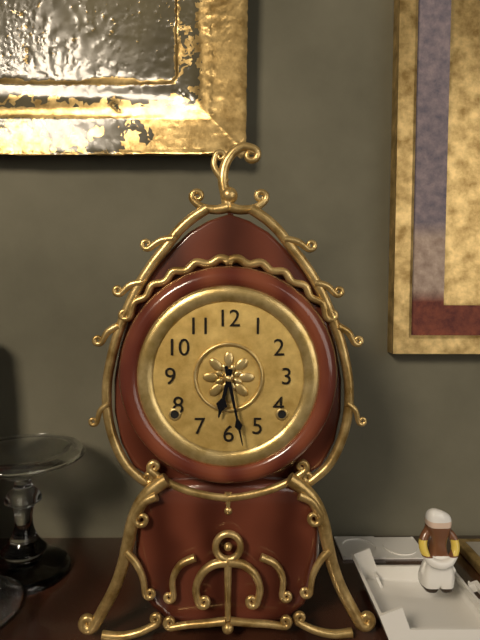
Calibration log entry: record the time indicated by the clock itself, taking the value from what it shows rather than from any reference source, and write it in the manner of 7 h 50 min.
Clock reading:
6 h 28 min
